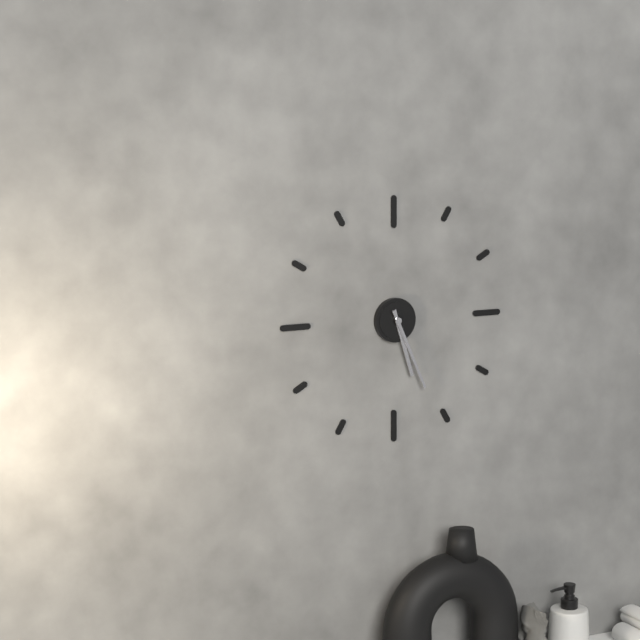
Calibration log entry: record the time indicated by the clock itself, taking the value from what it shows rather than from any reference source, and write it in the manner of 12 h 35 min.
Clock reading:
5 h 26 min
